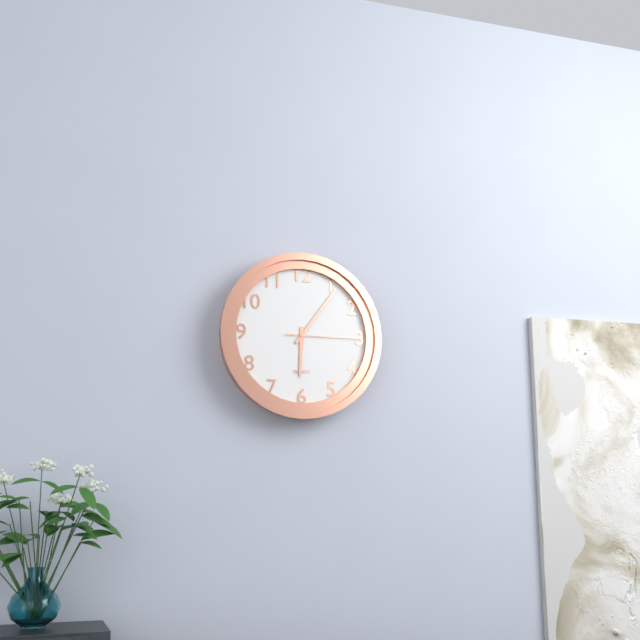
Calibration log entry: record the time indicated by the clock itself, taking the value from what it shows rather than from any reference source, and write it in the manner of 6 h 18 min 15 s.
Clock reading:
6 h 06 min 15 s
